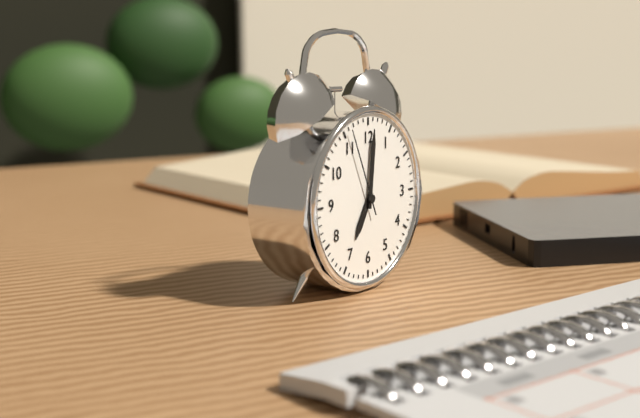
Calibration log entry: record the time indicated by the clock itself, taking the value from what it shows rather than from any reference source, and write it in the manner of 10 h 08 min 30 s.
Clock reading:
7 h 01 min 56 s
